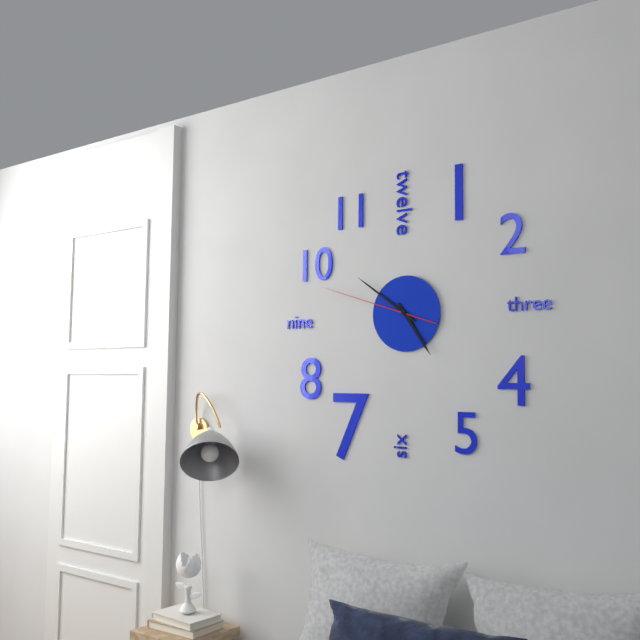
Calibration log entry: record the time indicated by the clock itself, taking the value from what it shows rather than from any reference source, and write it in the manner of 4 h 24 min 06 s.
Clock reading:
4 h 51 min 48 s
